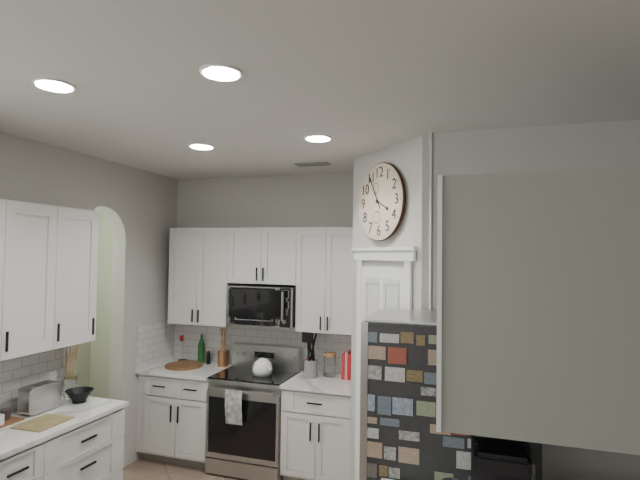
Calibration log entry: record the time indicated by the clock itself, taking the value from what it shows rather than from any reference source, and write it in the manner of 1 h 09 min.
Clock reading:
3 h 55 min
